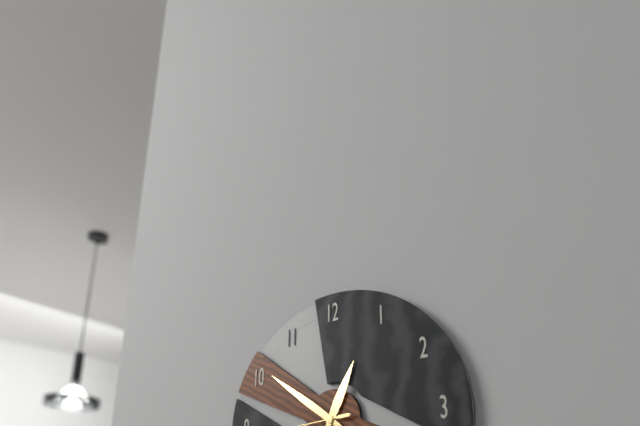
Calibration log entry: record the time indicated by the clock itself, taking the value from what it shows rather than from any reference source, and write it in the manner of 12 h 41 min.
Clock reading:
12 h 51 min
